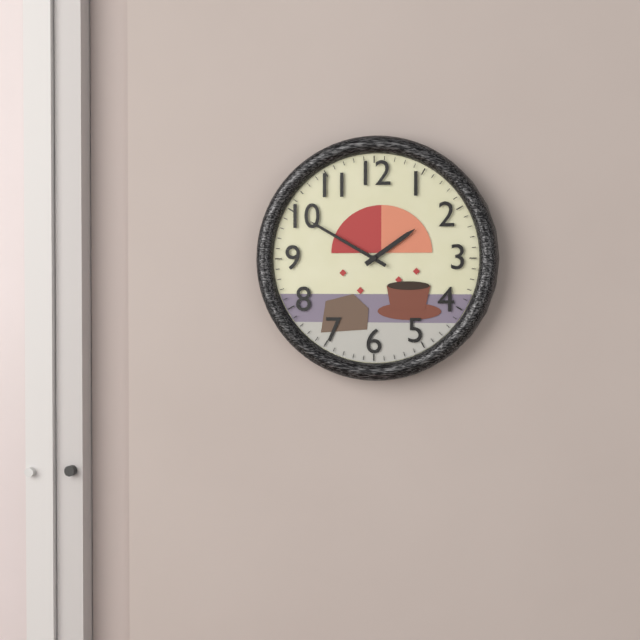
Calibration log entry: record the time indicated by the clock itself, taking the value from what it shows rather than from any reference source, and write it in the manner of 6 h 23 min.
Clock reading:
1 h 50 min
